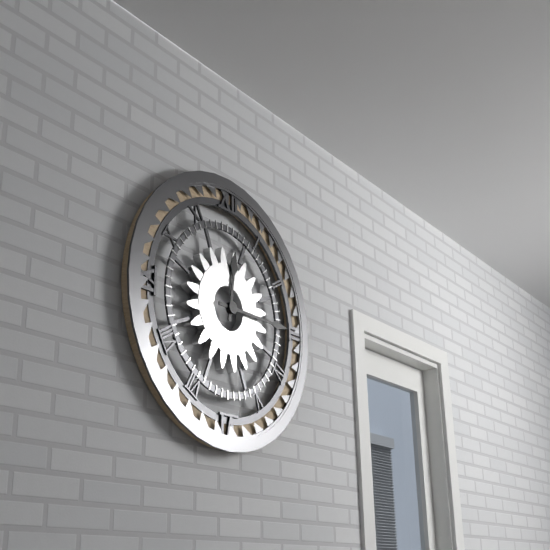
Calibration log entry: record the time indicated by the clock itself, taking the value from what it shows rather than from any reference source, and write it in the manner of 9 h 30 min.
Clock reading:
12 h 15 min
